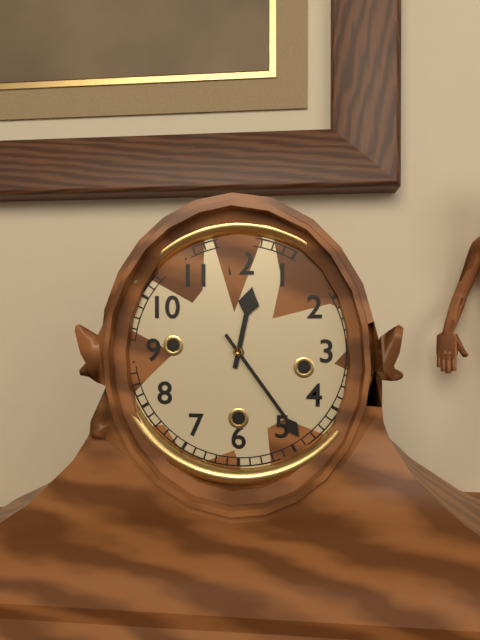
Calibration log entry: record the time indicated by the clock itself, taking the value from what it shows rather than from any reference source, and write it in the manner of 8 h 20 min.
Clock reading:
12 h 24 min
